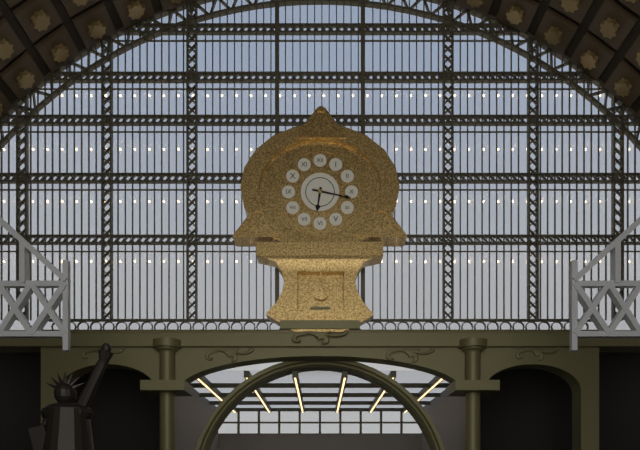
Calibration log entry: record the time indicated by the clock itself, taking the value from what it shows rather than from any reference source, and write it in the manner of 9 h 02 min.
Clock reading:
6 h 17 min
